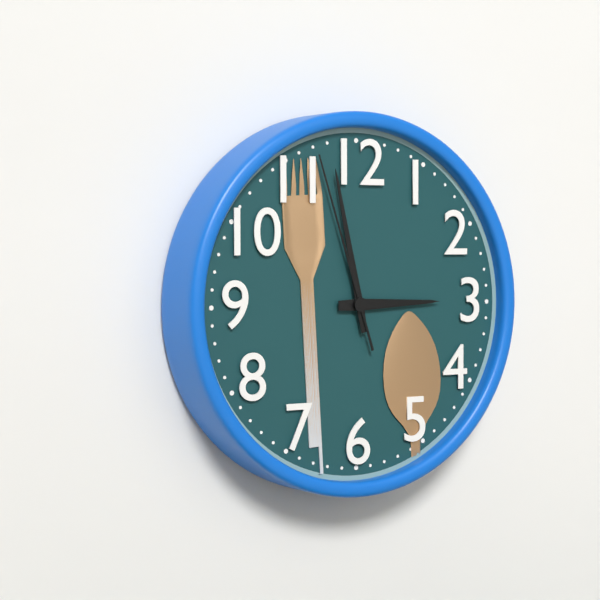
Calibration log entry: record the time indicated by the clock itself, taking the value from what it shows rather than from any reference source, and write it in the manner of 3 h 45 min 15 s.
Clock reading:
2 h 58 min 57 s
